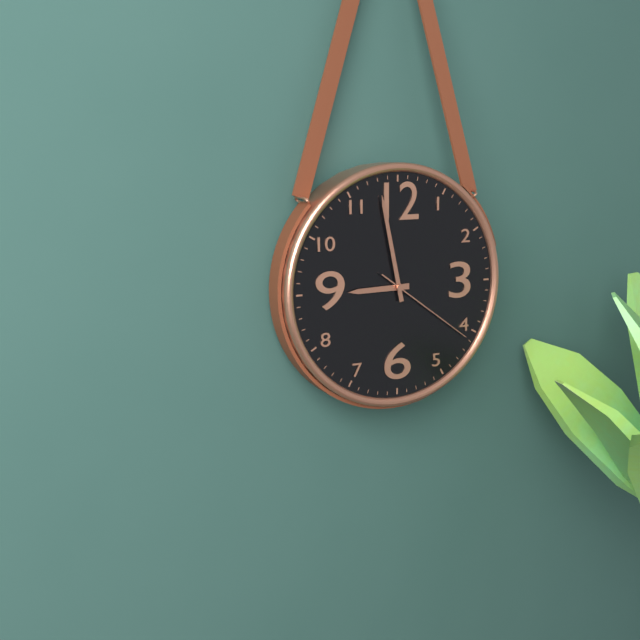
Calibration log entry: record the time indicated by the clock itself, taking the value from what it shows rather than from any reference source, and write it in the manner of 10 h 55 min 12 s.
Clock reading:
8 h 58 min 21 s
